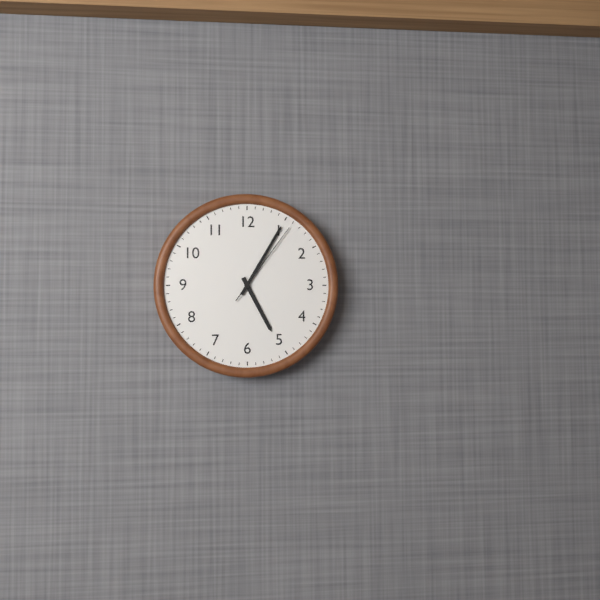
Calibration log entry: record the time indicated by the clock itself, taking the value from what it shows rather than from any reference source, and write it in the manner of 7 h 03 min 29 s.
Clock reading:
5 h 05 min 06 s
